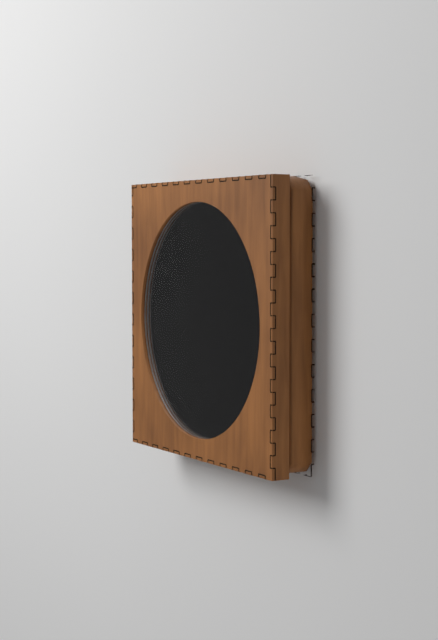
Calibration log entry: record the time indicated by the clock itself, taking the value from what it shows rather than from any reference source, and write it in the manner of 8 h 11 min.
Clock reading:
12 h 06 min
